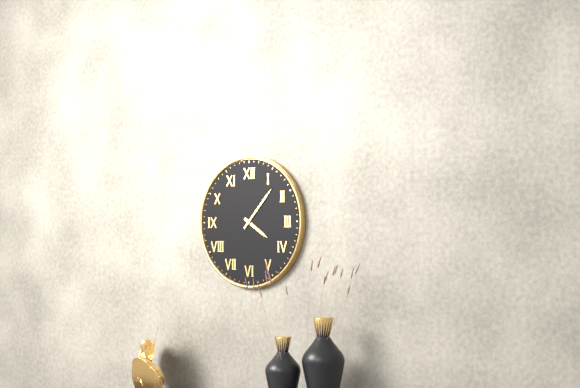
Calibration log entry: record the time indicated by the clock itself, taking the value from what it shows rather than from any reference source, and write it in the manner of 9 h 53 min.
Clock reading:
4 h 07 min
